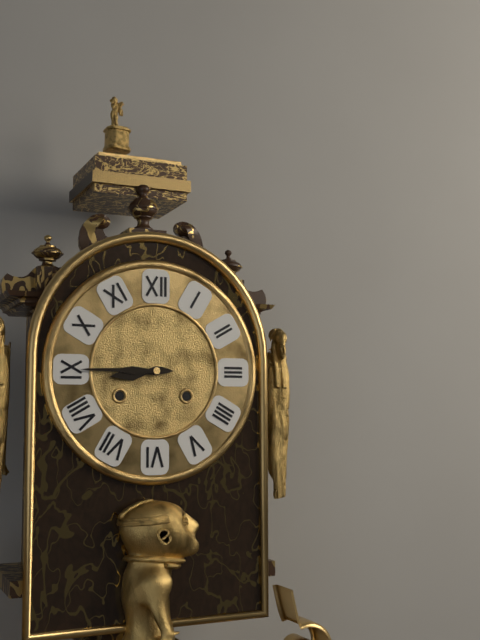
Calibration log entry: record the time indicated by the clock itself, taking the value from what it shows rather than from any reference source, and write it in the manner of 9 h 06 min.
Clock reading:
8 h 45 min
